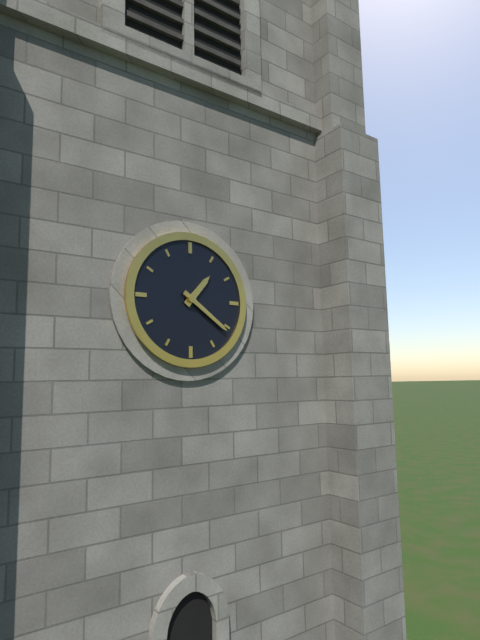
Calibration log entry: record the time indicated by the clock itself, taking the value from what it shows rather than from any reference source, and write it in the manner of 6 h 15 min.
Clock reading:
1 h 21 min
